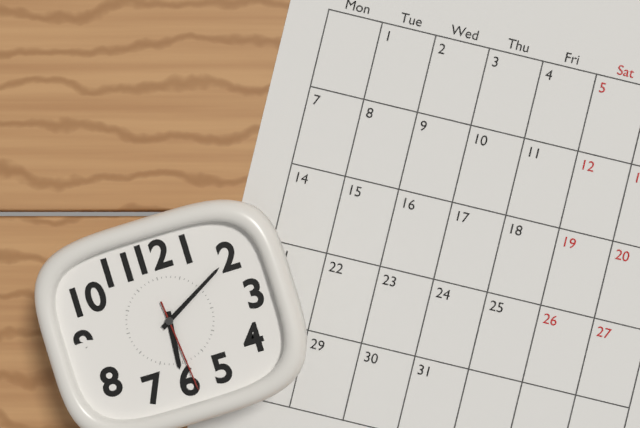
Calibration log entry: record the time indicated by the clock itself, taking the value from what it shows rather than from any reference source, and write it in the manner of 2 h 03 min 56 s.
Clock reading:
6 h 10 min 29 s
